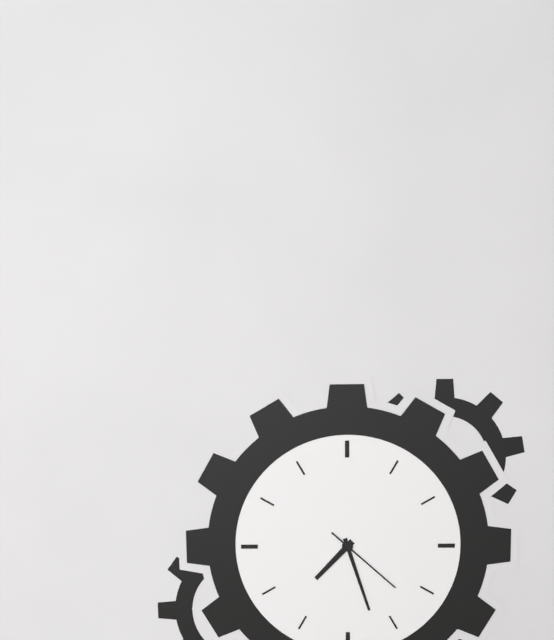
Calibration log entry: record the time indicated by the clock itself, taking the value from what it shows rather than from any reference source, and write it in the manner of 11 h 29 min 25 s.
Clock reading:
7 h 27 min 22 s
